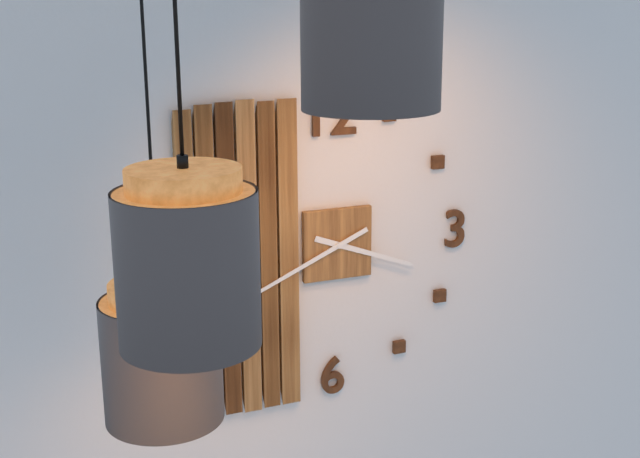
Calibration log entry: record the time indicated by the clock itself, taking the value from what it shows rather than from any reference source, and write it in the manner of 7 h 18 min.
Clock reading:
3 h 41 min
